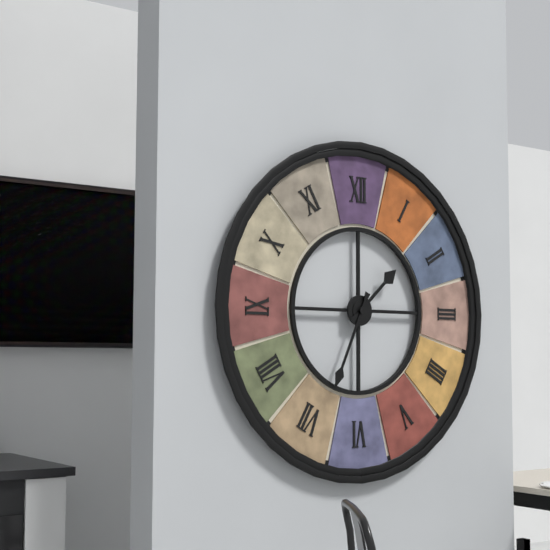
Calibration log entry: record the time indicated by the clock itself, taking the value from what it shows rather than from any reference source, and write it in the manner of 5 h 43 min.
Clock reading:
1 h 34 min
